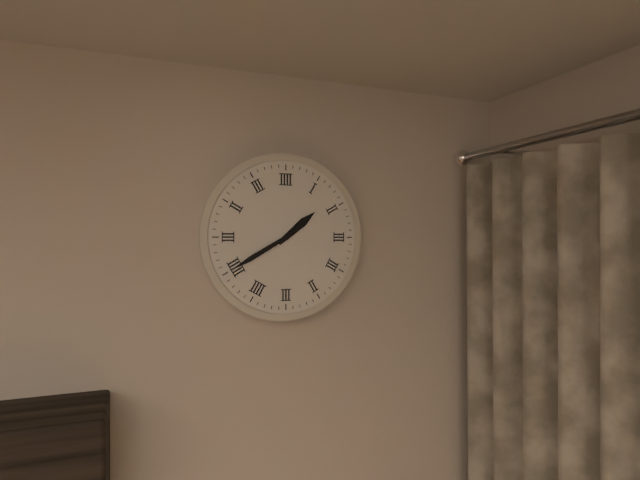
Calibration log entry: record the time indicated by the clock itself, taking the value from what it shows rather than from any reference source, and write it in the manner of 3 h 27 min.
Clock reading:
1 h 40 min
